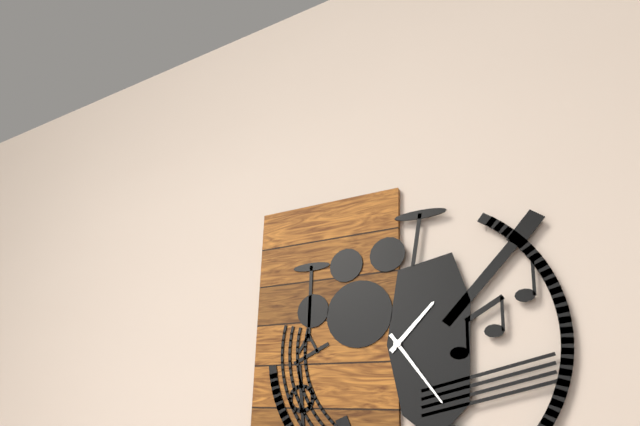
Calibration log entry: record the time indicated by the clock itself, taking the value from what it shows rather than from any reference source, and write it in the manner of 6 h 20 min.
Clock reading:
1 h 24 min
